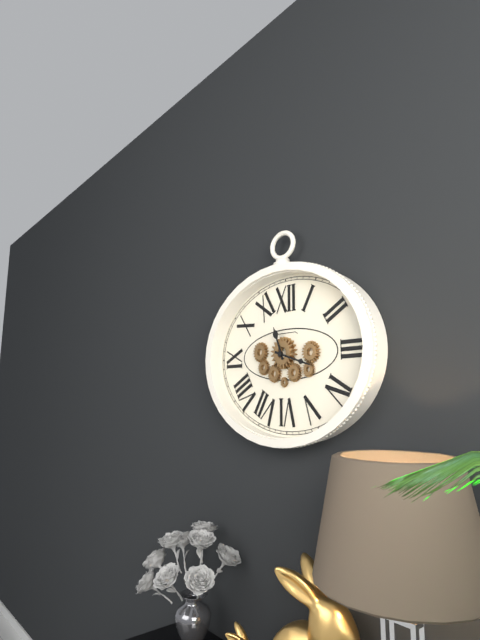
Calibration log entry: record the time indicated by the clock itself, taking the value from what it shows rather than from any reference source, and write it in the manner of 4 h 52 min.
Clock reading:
11 h 18 min
